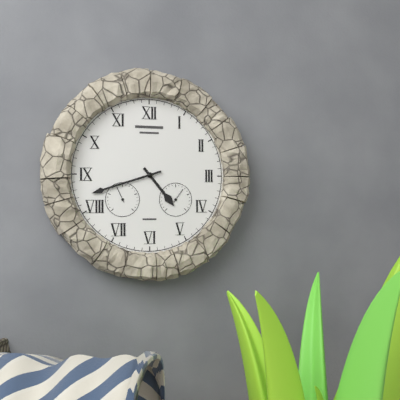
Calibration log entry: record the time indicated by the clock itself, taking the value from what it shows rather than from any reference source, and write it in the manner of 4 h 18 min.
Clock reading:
4 h 42 min
